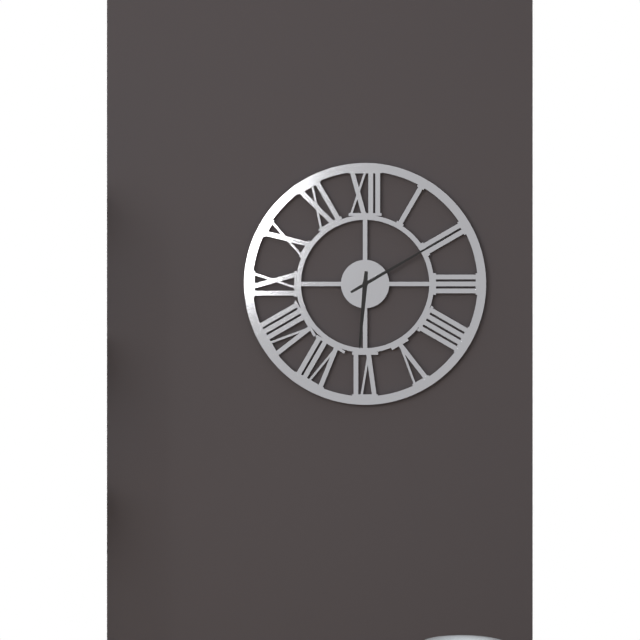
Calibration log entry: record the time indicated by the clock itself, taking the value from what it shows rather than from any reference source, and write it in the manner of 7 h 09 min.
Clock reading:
6 h 10 min
